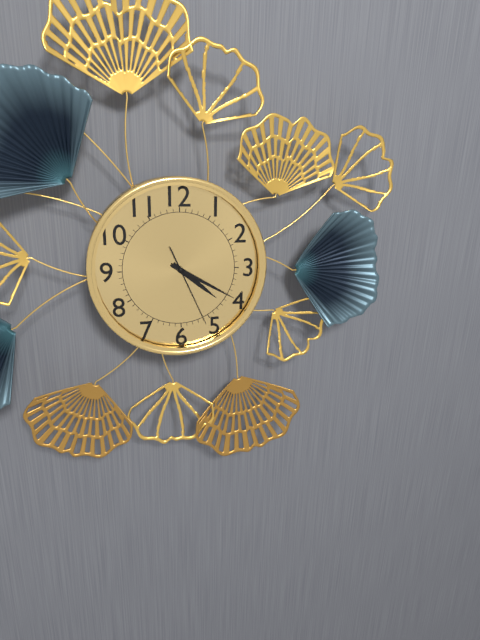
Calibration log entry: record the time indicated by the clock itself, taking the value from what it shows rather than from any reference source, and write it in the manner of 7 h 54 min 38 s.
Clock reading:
4 h 20 min 26 s
